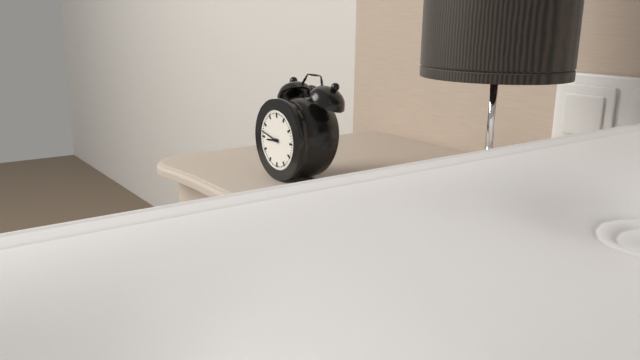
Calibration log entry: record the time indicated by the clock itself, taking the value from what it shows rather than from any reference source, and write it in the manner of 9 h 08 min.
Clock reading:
8 h 47 min
